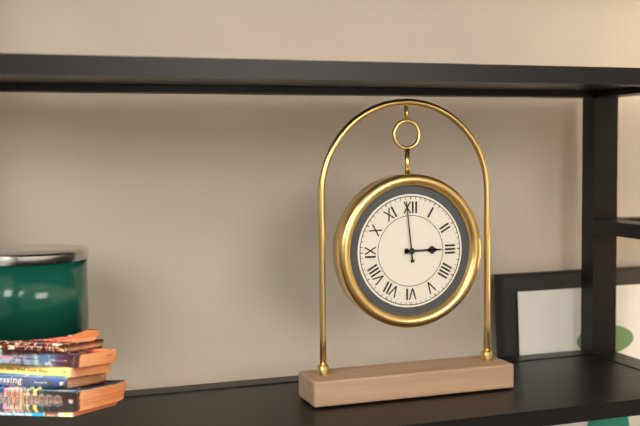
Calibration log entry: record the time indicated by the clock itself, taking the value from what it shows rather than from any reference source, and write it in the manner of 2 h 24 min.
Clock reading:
2 h 59 min
